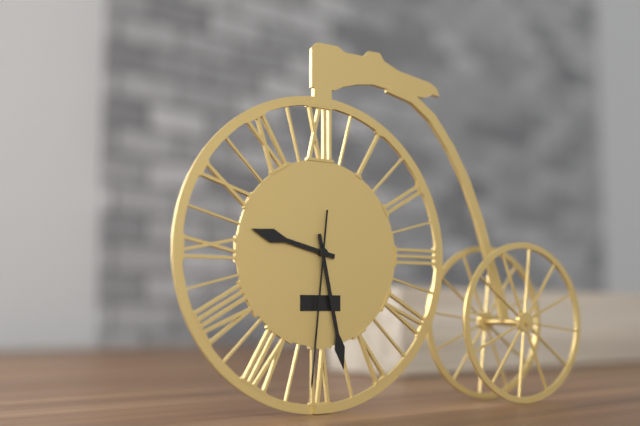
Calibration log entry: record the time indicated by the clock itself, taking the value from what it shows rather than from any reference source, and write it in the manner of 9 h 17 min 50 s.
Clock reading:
9 h 28 min 31 s
